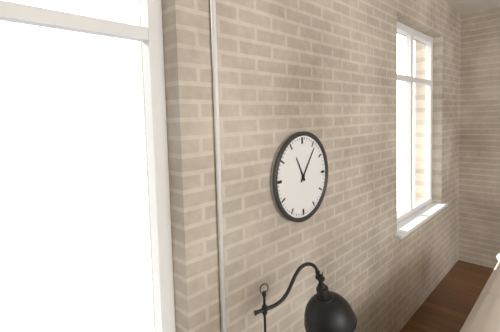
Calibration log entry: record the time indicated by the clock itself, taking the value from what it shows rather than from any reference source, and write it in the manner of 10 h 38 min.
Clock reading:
11 h 06 min
